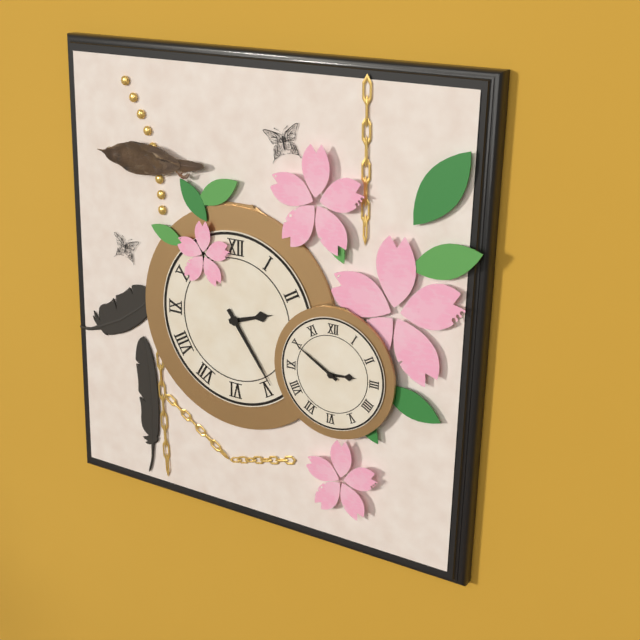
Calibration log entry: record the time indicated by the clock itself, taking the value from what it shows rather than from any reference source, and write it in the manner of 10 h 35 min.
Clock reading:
2 h 24 min
